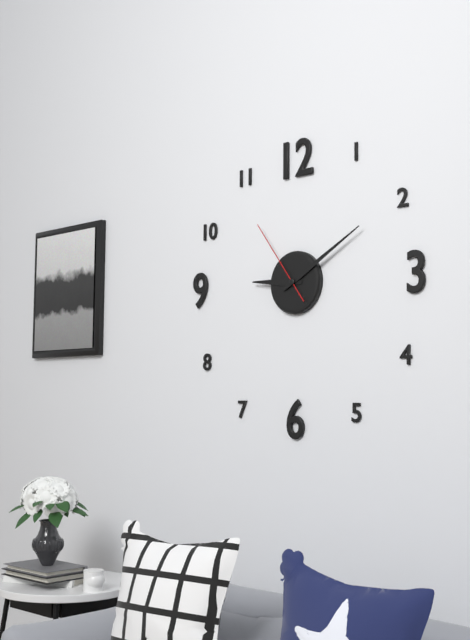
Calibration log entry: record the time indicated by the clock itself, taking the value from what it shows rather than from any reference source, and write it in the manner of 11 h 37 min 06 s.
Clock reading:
9 h 10 min 54 s
